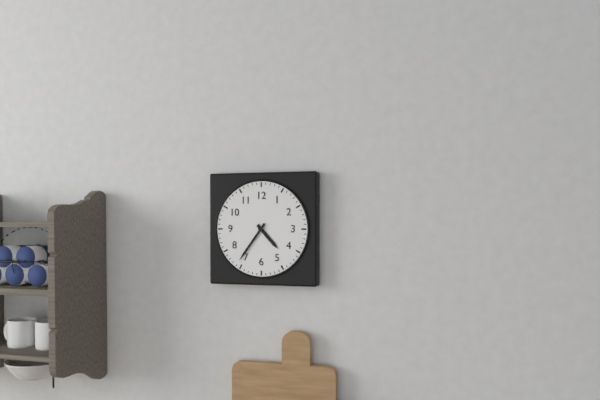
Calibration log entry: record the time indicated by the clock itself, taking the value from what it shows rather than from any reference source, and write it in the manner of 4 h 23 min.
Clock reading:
4 h 36 min
